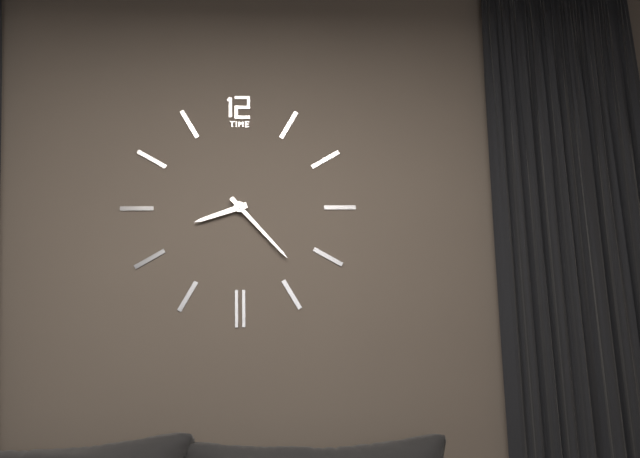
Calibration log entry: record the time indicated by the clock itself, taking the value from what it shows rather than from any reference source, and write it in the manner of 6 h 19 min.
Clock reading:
8 h 23 min
